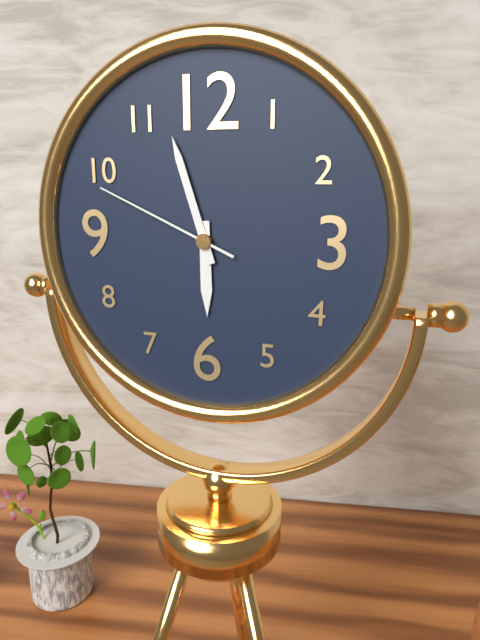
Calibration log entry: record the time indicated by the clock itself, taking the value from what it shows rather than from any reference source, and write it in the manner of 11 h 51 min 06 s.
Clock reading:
5 h 57 min 49 s
